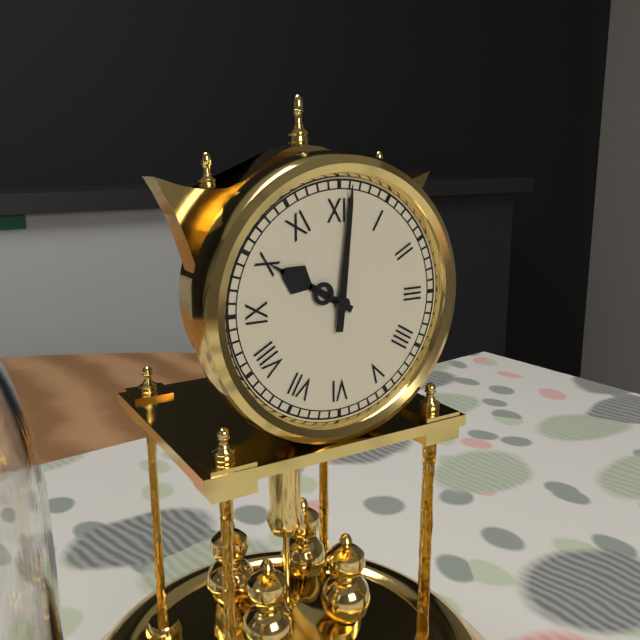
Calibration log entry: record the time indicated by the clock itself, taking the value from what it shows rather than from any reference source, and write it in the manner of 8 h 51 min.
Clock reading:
10 h 01 min
